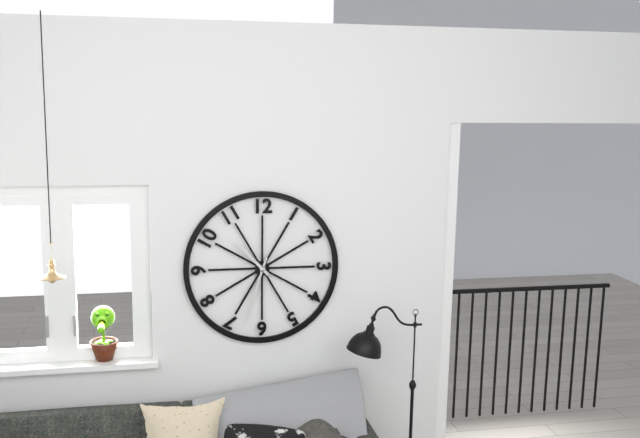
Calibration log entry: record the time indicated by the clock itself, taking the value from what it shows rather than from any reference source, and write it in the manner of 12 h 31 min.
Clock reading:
10 h 33 min
